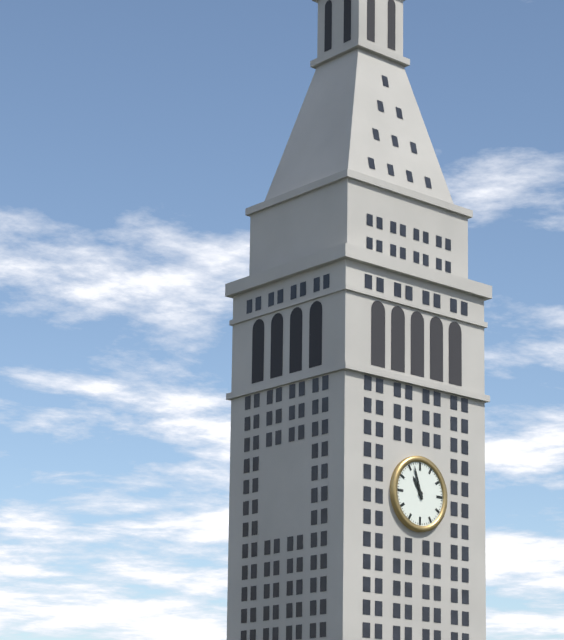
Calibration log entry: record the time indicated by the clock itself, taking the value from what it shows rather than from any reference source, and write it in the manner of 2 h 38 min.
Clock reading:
10 h 57 min
